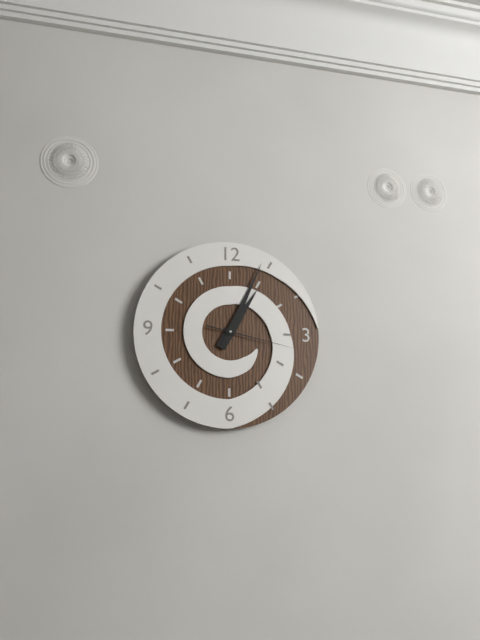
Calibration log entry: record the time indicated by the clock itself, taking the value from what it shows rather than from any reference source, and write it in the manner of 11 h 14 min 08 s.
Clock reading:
1 h 04 min 17 s
